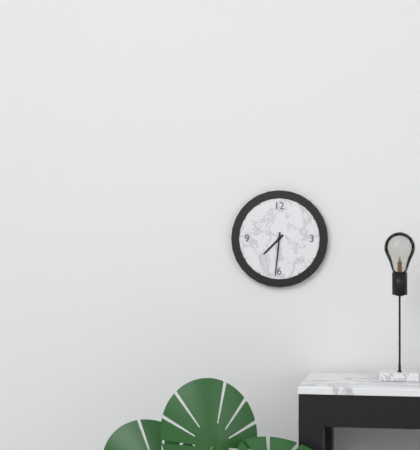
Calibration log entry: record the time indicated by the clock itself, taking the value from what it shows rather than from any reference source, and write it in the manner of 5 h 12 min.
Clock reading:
7 h 31 min
